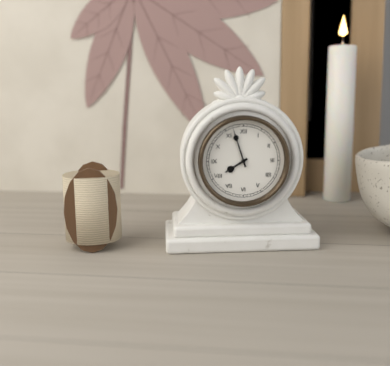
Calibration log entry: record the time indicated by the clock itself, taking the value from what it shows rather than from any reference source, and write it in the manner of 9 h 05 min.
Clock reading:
7 h 57 min
